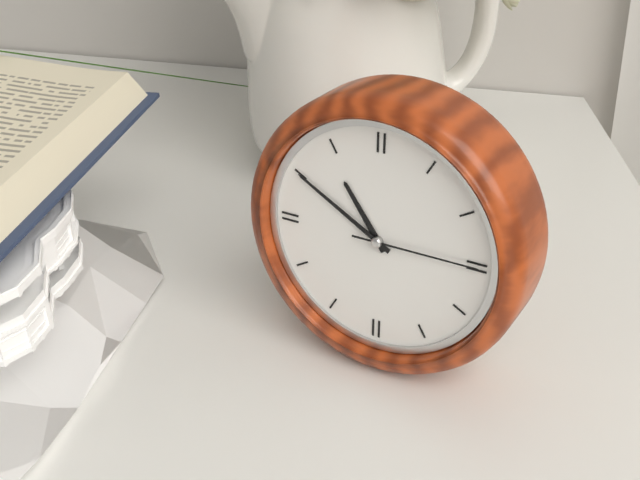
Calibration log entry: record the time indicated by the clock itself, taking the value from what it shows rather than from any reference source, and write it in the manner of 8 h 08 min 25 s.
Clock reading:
10 h 50 min 15 s
